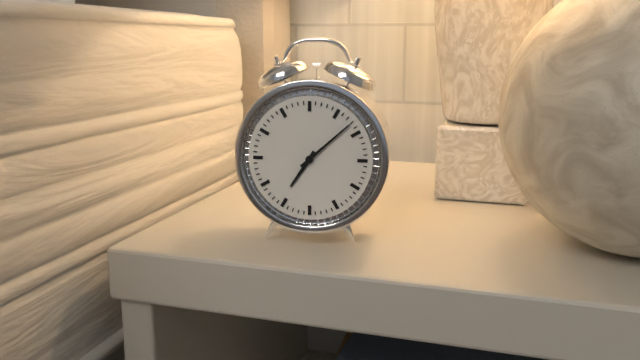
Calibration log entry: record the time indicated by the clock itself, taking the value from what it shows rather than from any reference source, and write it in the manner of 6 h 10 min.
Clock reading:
7 h 08 min
